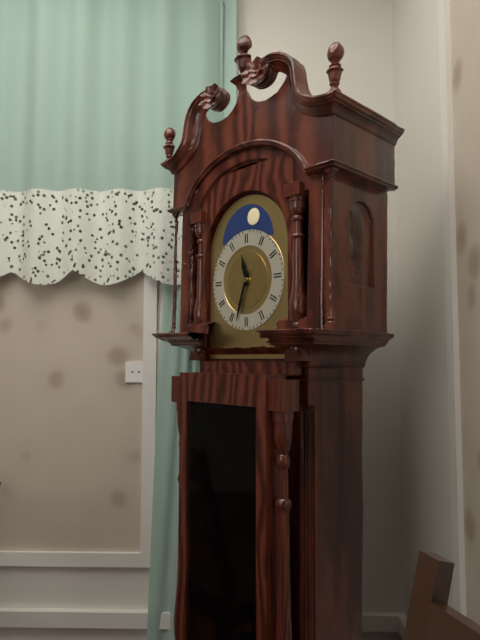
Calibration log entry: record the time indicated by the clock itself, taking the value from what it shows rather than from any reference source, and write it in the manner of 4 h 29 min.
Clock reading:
11 h 33 min
